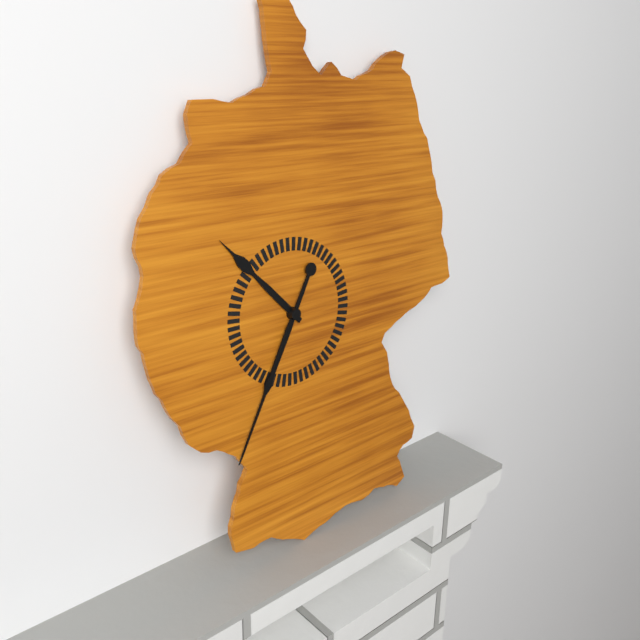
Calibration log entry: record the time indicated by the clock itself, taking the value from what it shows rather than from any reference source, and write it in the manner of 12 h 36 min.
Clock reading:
10 h 35 min
